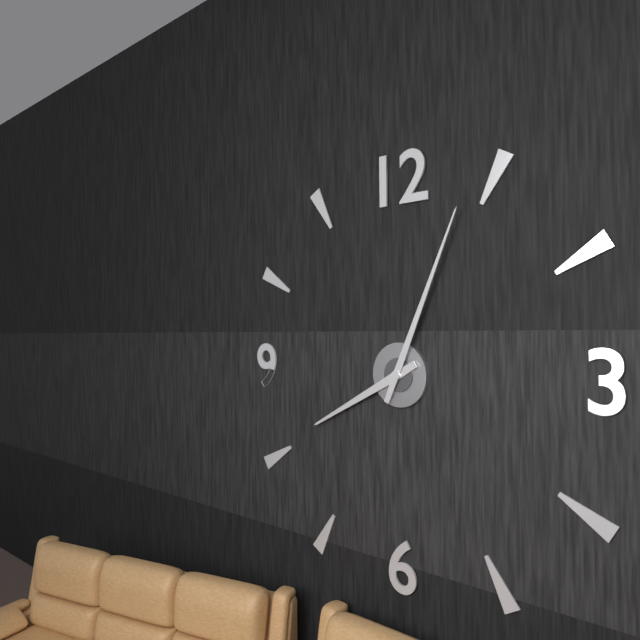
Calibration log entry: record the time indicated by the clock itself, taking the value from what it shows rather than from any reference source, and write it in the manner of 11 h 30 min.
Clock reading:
8 h 04 min
